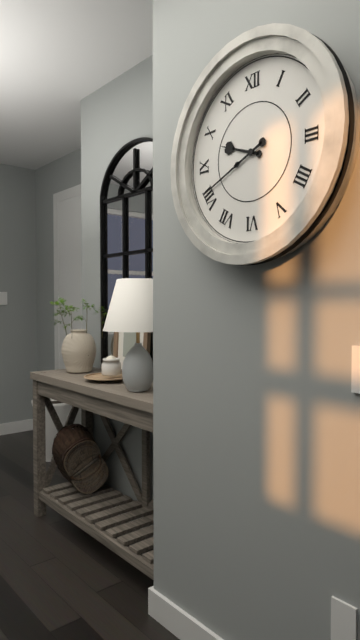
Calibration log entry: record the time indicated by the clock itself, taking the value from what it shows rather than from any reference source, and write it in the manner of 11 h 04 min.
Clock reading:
9 h 41 min
